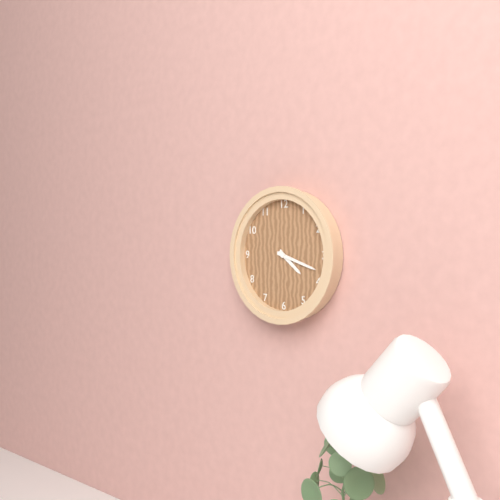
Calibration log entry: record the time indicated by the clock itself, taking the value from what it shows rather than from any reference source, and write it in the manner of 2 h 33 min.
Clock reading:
4 h 18 min
